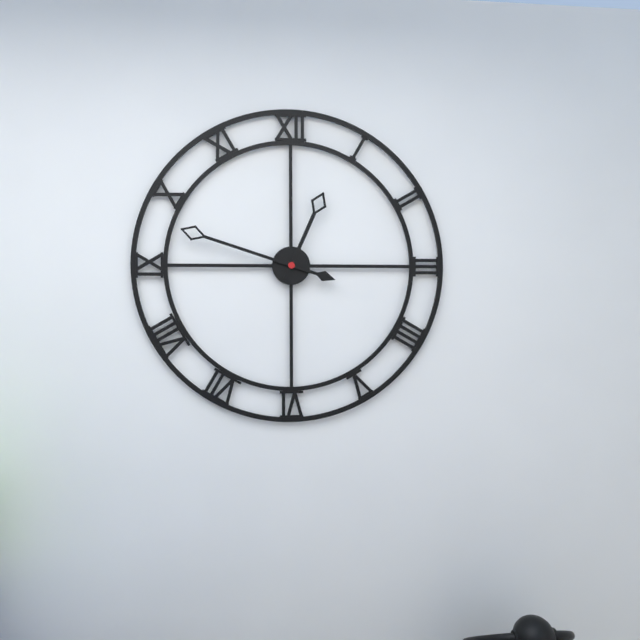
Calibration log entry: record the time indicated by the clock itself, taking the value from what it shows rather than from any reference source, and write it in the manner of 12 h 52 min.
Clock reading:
12 h 48 min
